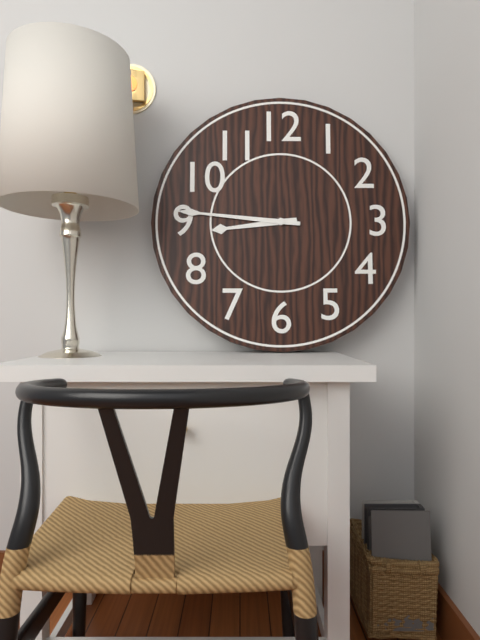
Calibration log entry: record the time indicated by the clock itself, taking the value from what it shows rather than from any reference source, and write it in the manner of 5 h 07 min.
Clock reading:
8 h 46 min
